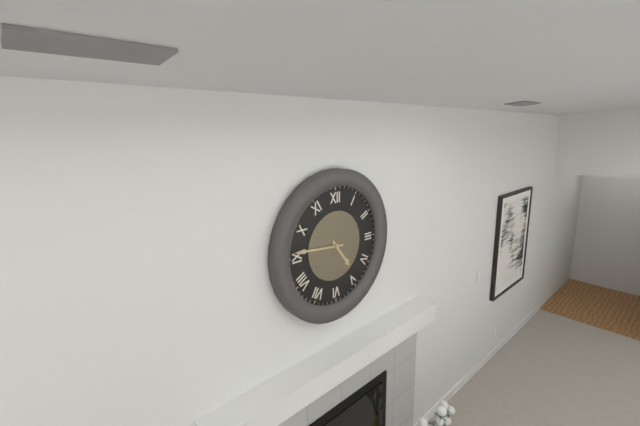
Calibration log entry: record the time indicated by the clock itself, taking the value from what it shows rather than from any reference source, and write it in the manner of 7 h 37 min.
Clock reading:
4 h 46 min
